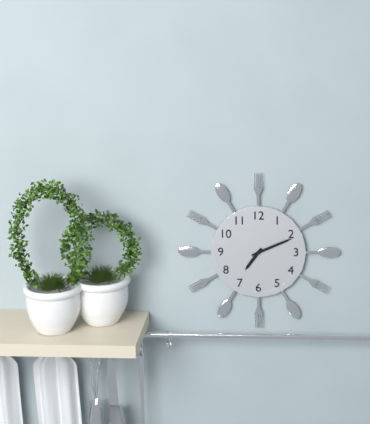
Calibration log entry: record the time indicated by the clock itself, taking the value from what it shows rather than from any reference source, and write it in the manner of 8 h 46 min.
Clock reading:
7 h 11 min
